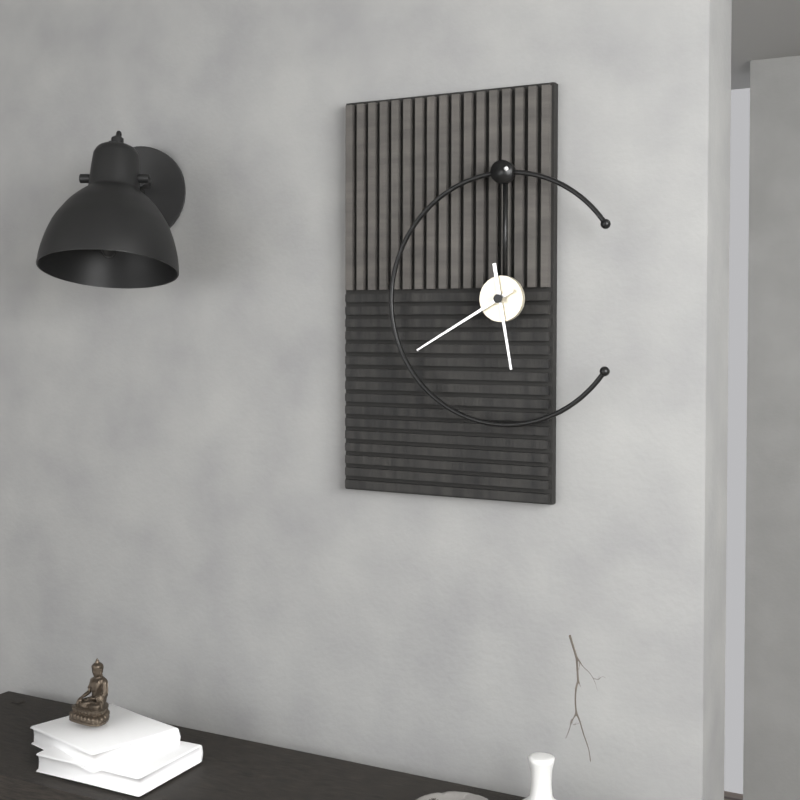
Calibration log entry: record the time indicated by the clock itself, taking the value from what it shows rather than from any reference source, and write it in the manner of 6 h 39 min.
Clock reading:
5 h 40 min
